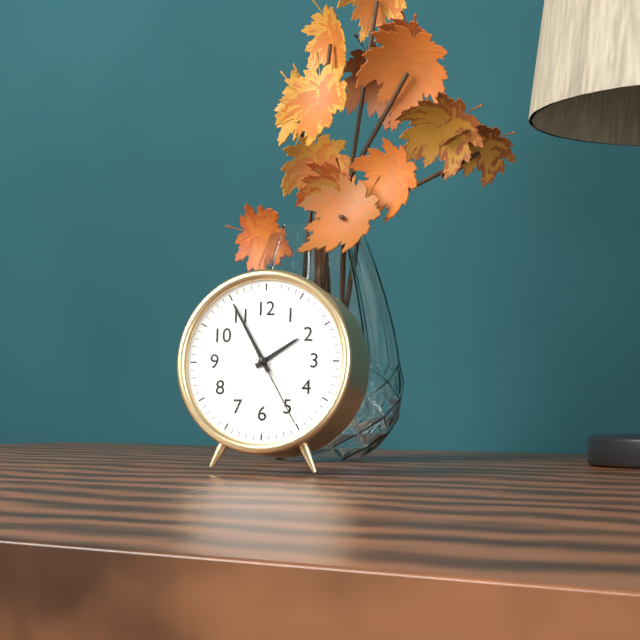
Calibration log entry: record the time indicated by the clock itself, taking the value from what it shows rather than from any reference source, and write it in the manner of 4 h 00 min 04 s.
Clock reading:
1 h 55 min 25 s
